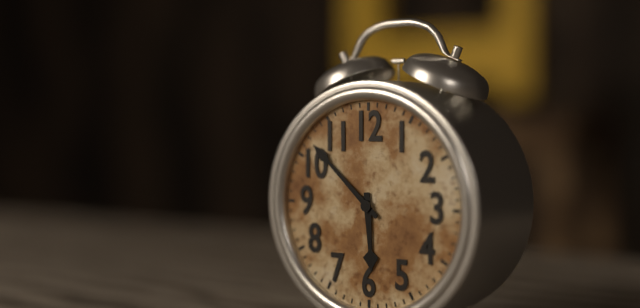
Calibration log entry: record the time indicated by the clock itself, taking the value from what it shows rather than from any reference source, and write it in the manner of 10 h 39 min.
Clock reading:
5 h 52 min
